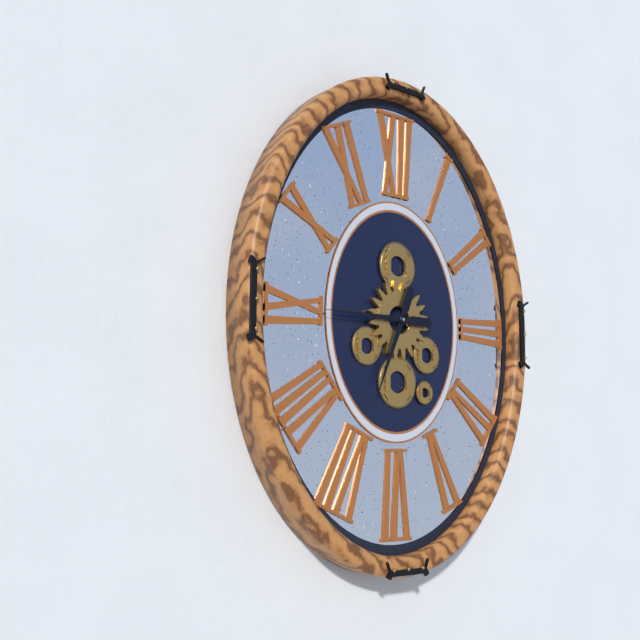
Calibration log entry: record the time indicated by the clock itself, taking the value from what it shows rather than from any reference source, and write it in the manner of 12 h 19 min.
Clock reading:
6 h 45 min
